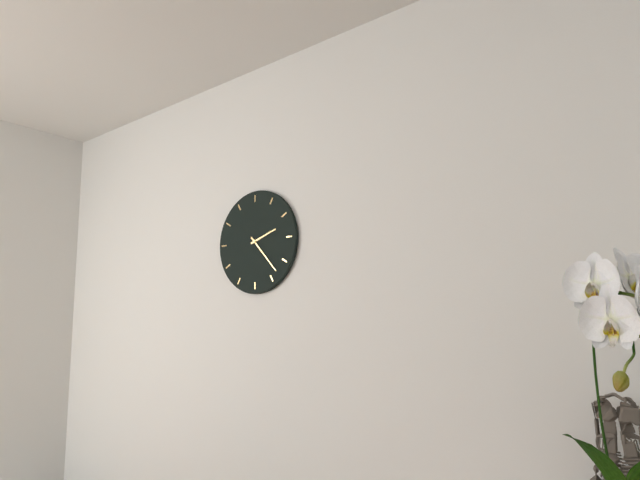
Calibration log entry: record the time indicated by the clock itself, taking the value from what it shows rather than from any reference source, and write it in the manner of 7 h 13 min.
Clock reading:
2 h 23 min
